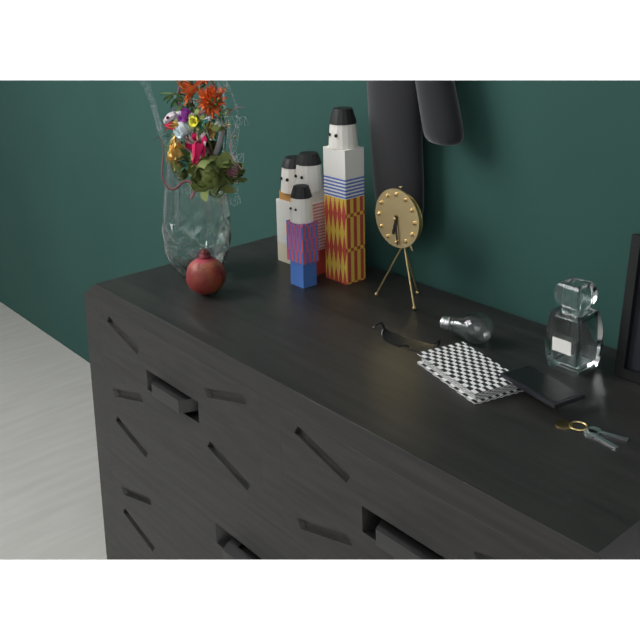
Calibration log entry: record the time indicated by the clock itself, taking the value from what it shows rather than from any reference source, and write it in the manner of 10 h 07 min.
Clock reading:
6 h 29 min
